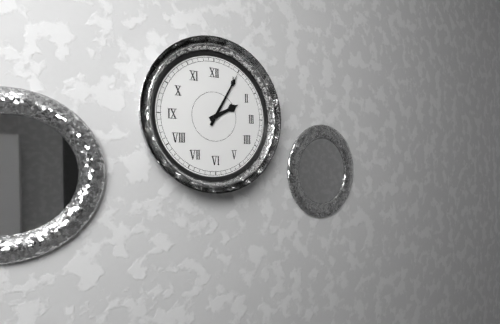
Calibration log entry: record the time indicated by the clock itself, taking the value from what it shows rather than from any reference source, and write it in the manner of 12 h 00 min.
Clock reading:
2 h 05 min
